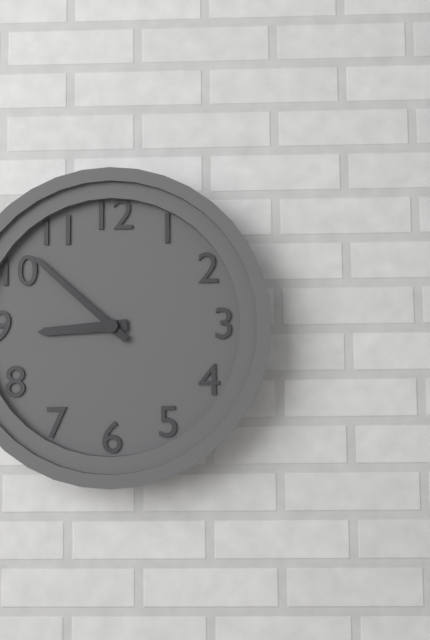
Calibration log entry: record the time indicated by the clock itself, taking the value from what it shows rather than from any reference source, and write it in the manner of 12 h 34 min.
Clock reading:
8 h 52 min
